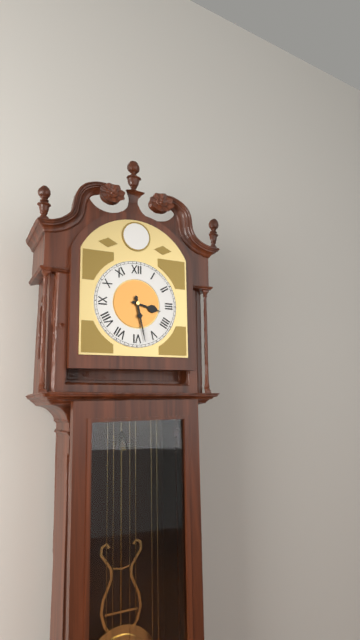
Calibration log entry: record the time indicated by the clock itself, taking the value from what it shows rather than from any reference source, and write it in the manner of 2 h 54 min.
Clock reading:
3 h 28 min
